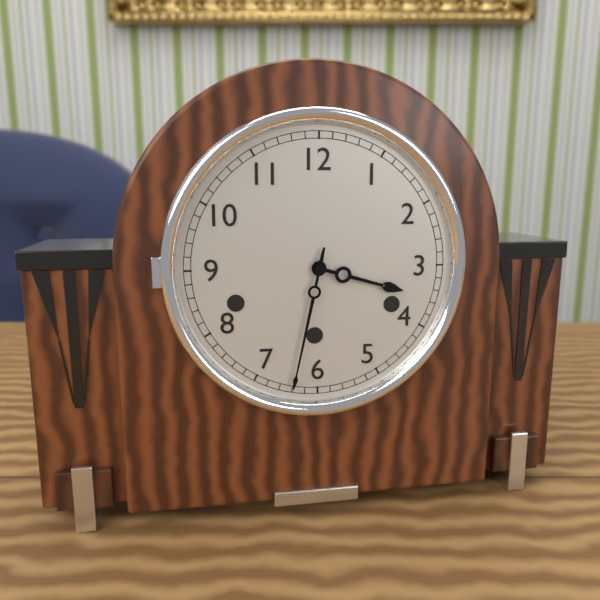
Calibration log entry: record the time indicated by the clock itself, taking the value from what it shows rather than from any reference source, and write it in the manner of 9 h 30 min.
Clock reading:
3 h 32 min
